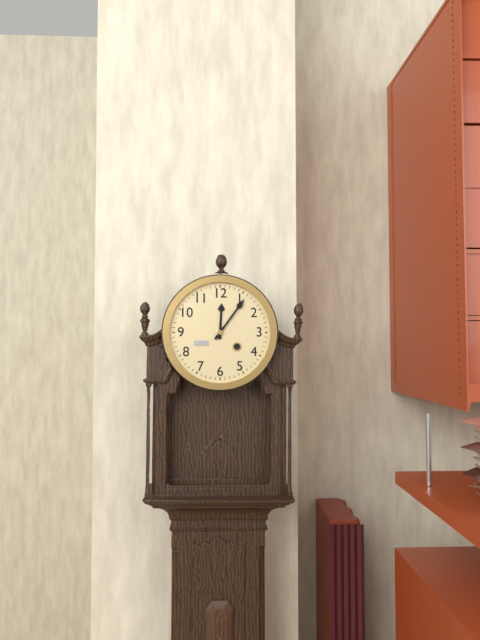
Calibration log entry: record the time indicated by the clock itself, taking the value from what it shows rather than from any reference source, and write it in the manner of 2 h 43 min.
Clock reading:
12 h 06 min
